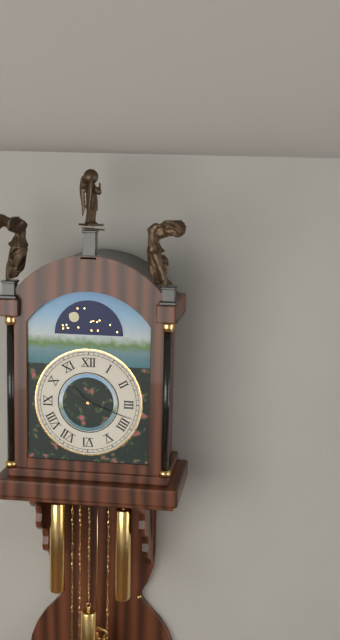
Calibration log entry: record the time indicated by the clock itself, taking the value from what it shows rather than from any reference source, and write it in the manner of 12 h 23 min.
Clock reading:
10 h 18 min
